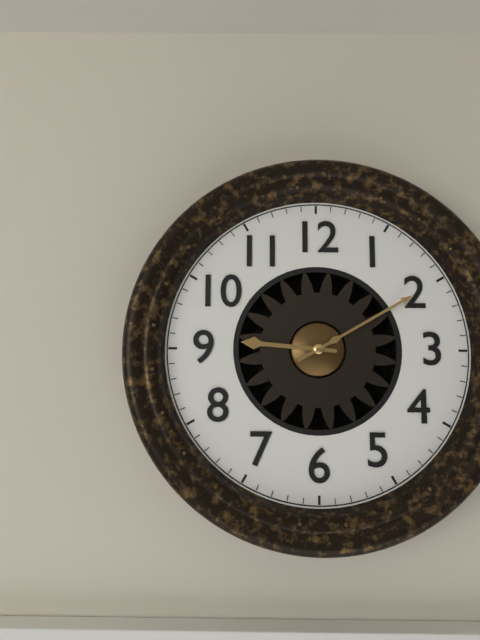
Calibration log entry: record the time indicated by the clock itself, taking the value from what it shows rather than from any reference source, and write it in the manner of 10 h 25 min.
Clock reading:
9 h 10 min
